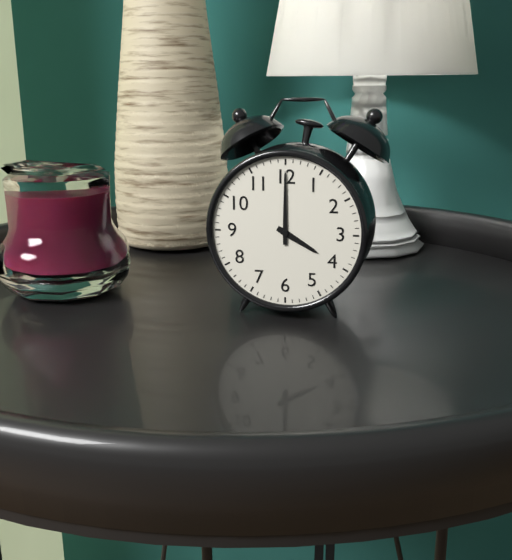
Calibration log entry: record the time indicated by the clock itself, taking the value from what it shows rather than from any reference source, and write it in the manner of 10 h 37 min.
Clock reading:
4 h 00 min
